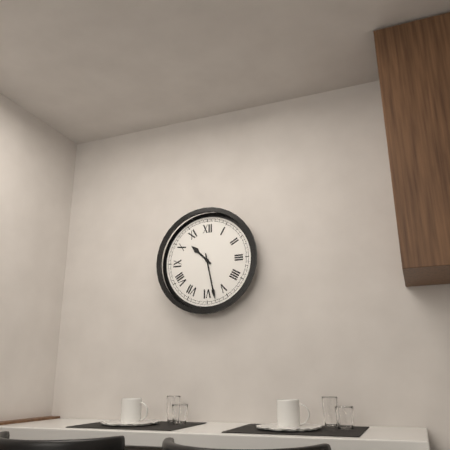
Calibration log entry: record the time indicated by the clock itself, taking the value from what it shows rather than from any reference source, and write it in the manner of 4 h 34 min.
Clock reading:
10 h 28 min
